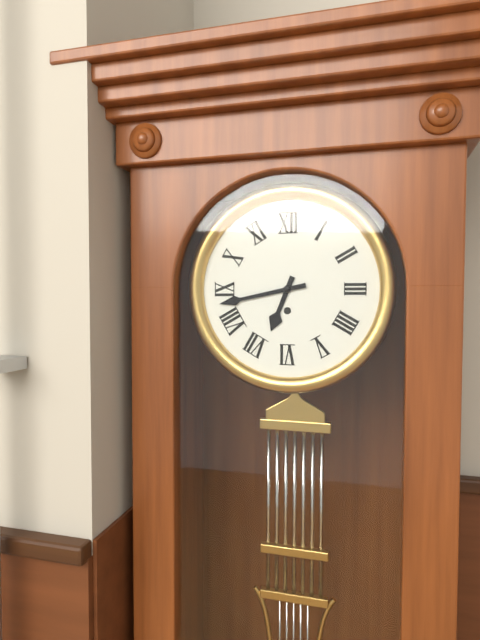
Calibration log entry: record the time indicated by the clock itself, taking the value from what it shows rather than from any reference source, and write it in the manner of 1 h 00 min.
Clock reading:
6 h 43 min
